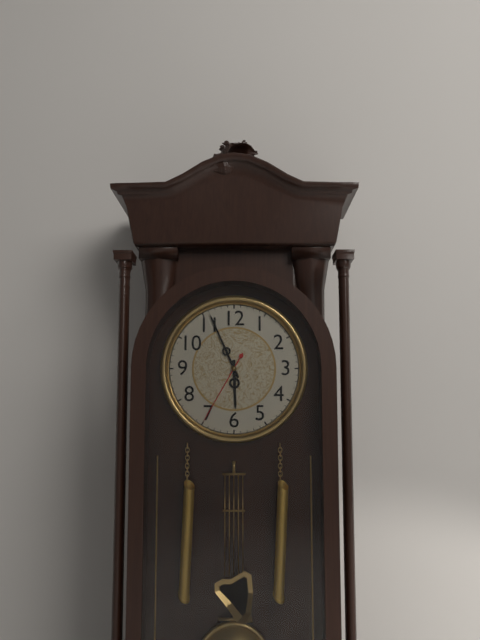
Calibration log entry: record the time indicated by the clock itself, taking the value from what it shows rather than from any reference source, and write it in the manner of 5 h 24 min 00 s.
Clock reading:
5 h 56 min 35 s
